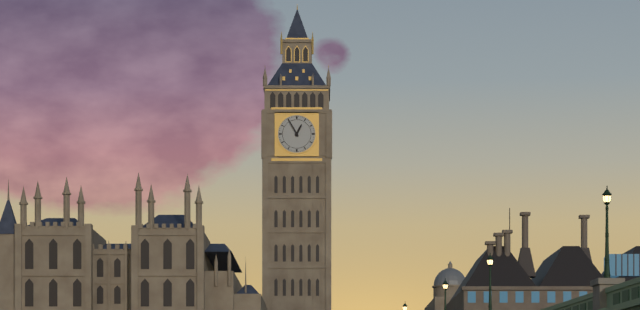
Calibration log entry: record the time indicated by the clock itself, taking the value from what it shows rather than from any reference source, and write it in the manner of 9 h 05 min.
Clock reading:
12 h 55 min
